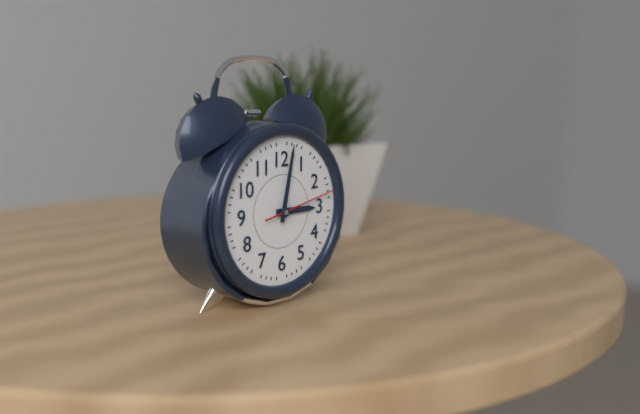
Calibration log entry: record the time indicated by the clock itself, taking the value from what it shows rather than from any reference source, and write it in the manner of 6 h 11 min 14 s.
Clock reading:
3 h 02 min 13 s
